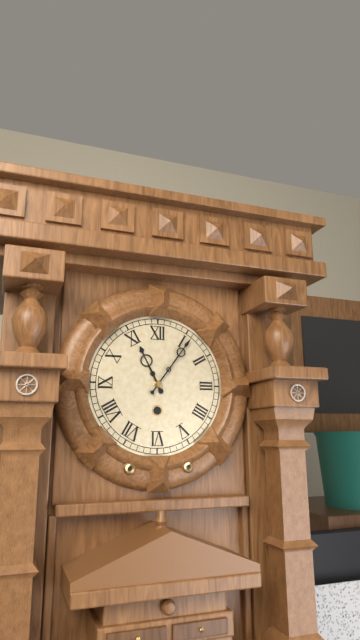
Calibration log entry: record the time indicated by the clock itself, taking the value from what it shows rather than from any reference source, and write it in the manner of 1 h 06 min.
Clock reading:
11 h 06 min
